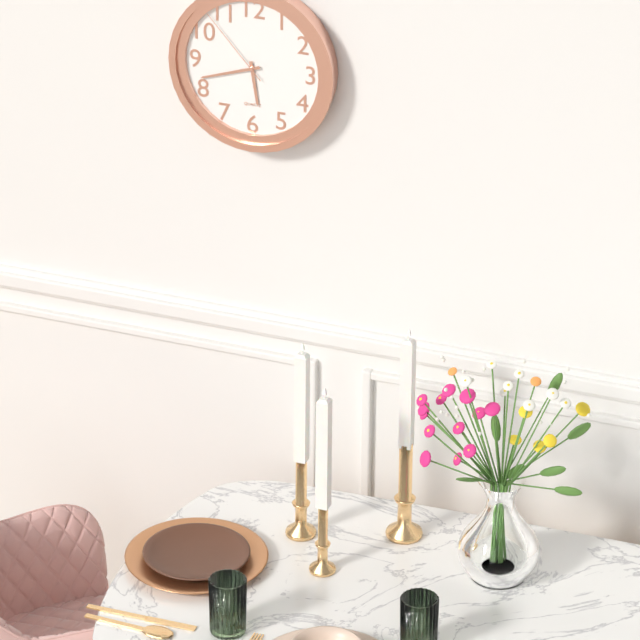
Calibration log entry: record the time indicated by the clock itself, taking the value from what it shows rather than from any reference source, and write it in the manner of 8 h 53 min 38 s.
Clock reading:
5 h 42 min 53 s
